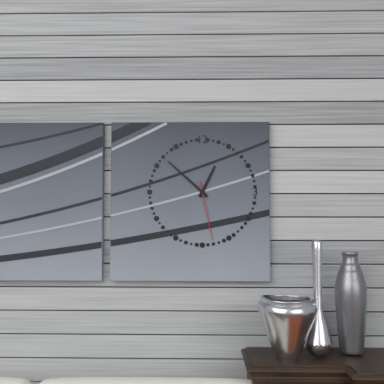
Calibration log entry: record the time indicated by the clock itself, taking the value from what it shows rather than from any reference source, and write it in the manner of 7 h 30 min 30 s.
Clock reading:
12 h 52 min 28 s
